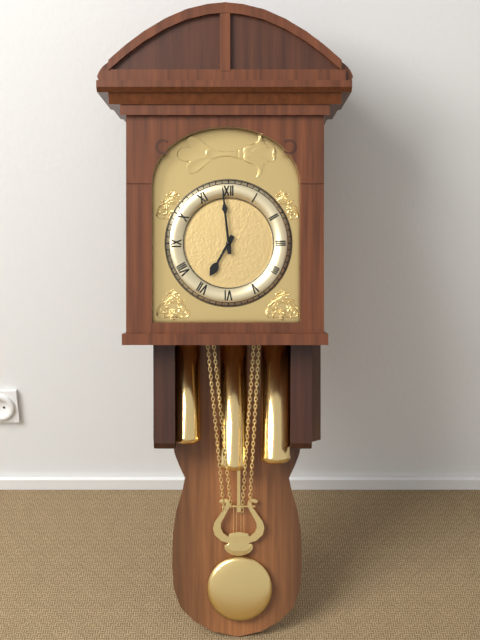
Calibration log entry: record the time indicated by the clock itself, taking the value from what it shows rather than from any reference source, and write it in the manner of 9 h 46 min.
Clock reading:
6 h 59 min
